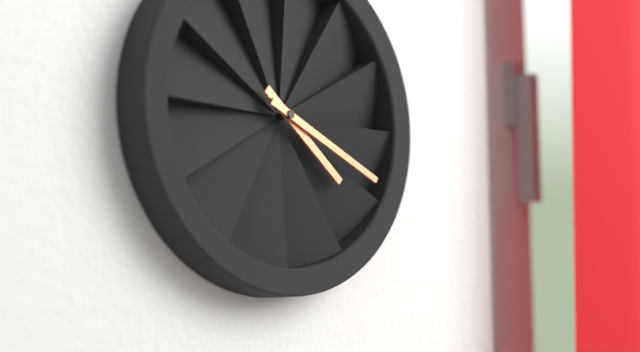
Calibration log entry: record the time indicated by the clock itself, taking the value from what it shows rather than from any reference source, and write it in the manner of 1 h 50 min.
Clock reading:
4 h 19 min
